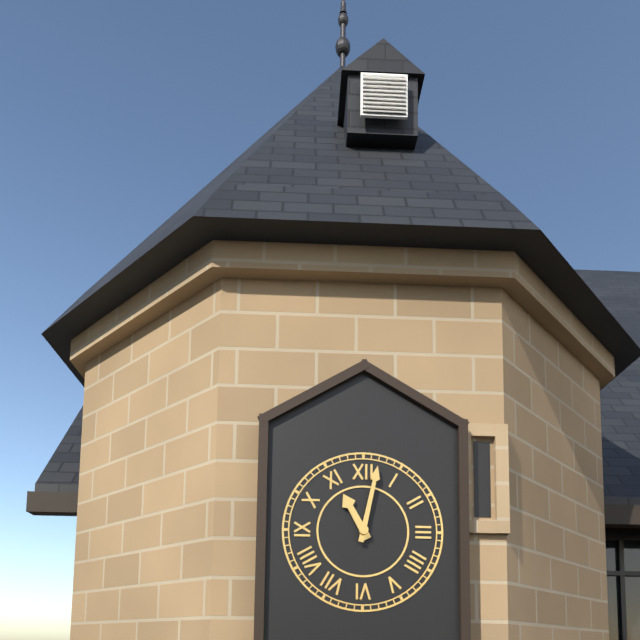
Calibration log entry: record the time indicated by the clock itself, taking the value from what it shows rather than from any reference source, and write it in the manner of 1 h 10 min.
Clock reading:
11 h 02 min
